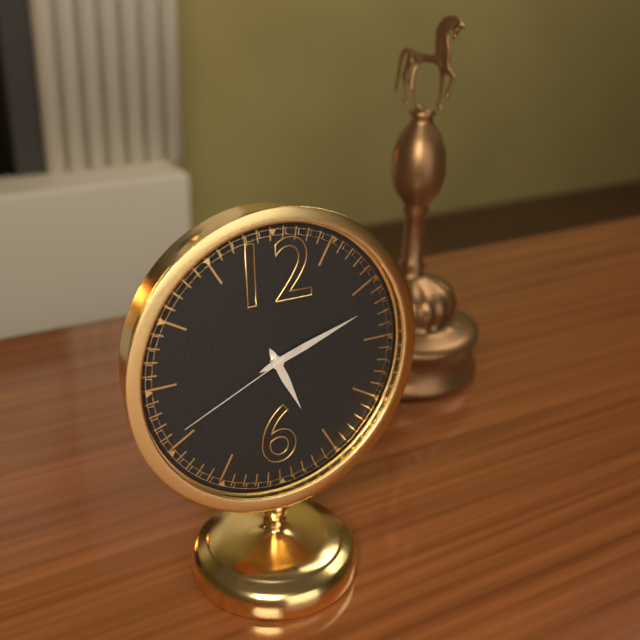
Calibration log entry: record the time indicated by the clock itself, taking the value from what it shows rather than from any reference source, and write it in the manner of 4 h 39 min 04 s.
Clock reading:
5 h 12 min 41 s
